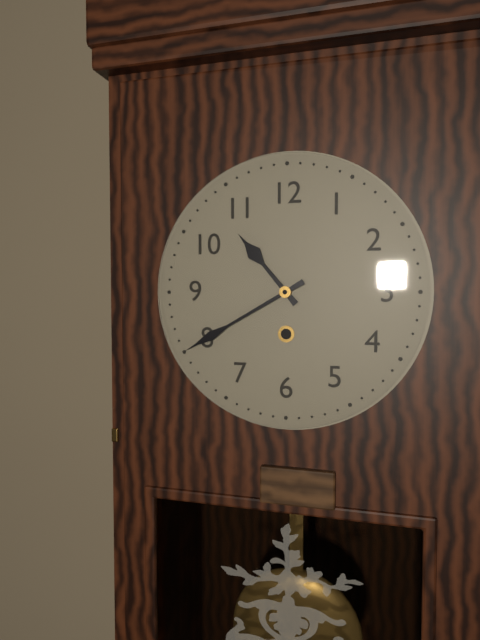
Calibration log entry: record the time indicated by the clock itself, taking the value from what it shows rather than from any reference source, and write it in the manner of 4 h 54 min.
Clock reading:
10 h 40 min
